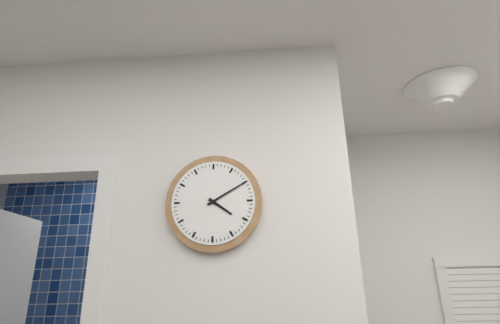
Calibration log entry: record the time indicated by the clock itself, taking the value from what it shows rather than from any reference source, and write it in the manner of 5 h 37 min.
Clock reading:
4 h 10 min
